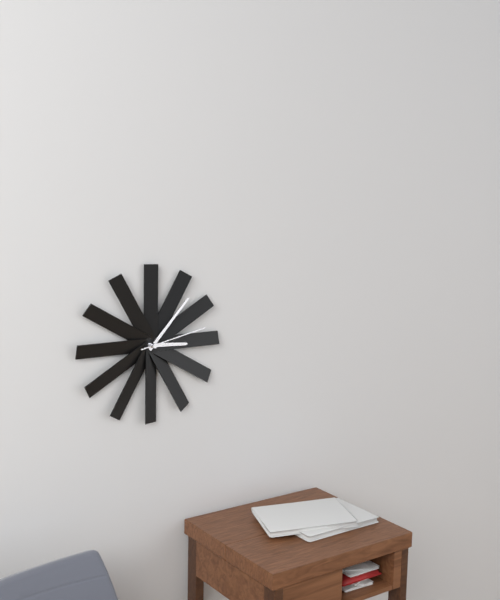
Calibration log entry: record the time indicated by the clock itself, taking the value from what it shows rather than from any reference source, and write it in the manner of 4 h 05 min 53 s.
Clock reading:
3 h 07 min 13 s
